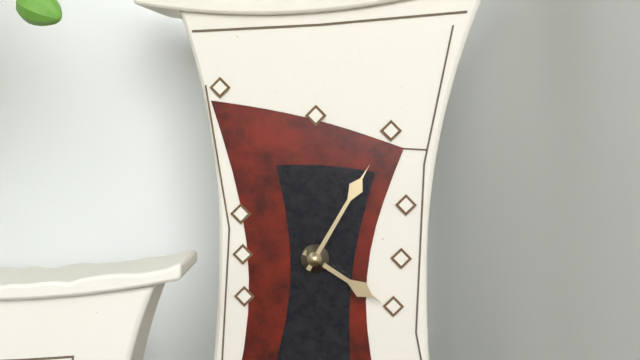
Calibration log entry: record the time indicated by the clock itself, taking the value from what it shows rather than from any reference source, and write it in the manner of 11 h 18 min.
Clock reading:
4 h 05 min
